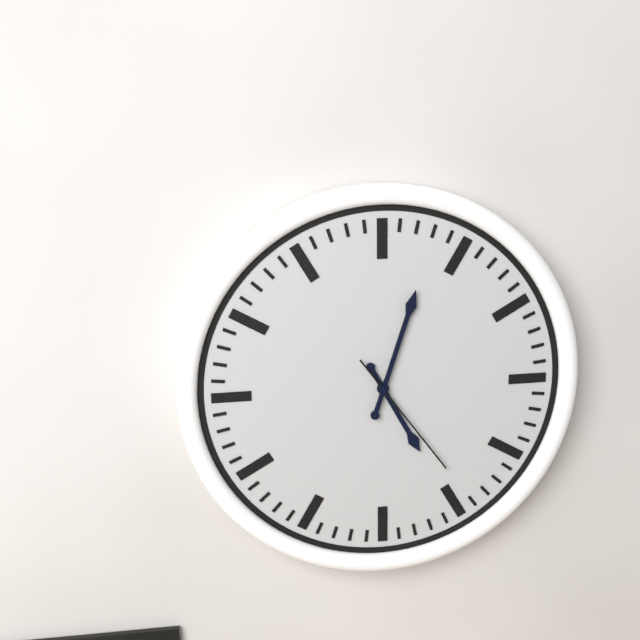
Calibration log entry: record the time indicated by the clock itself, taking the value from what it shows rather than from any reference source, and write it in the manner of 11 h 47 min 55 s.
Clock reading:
5 h 03 min 24 s
